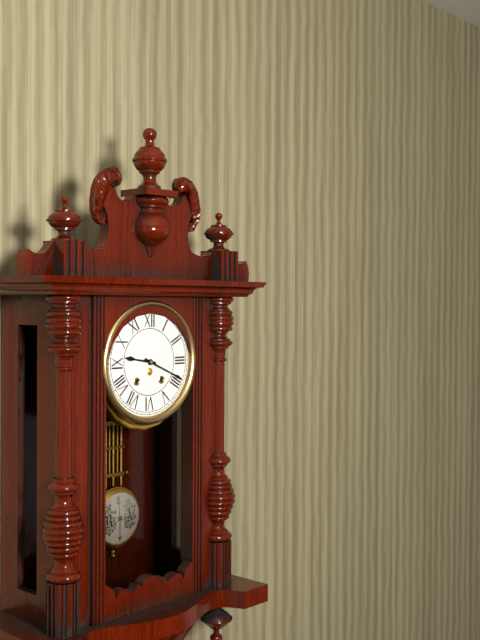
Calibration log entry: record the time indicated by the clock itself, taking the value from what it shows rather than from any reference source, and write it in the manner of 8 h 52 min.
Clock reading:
9 h 19 min
